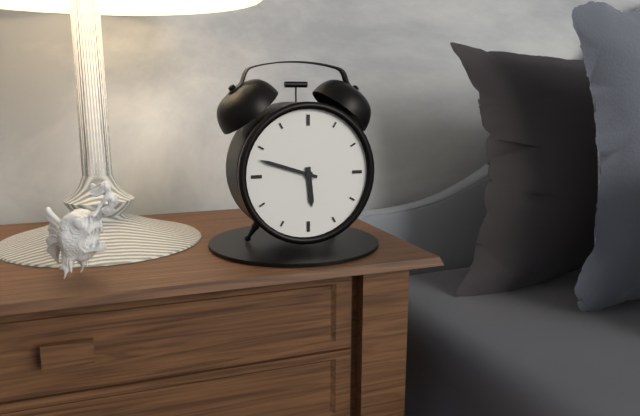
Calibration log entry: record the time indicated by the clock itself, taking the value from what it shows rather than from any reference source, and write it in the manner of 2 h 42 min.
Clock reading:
5 h 48 min
